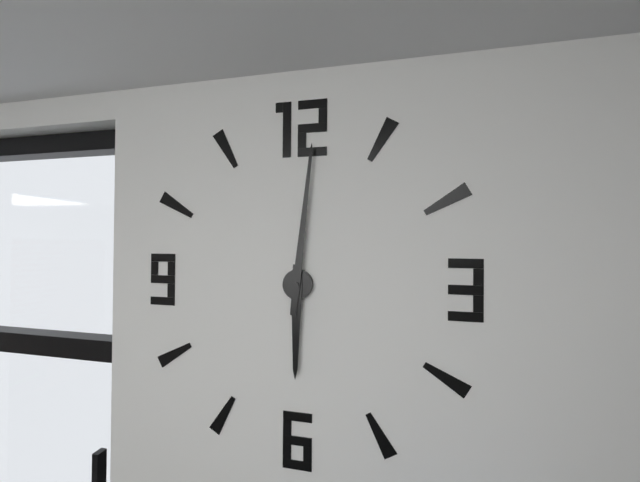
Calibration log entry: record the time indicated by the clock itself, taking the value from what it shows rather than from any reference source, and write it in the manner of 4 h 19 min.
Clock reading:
6 h 01 min
